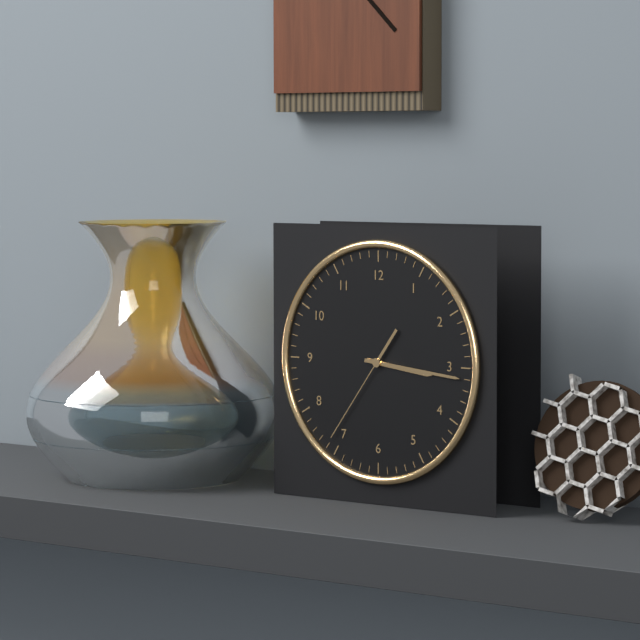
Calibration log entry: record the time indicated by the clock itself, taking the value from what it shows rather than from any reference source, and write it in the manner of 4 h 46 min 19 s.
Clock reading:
3 h 16 min 36 s
